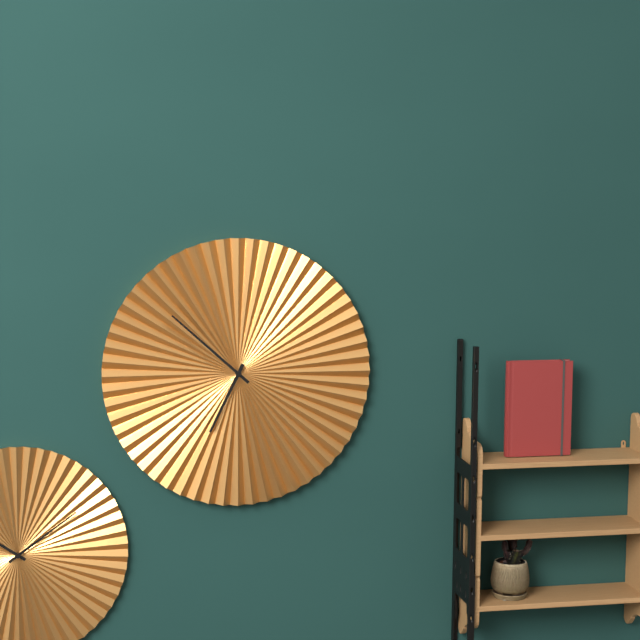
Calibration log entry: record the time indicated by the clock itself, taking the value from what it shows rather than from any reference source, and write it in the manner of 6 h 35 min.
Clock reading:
6 h 52 min
